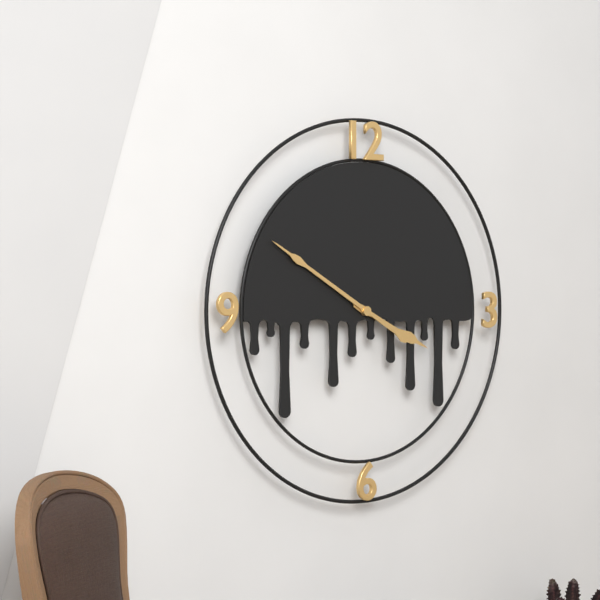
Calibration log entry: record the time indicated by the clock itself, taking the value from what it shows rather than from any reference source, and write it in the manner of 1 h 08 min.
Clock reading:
3 h 50 min
